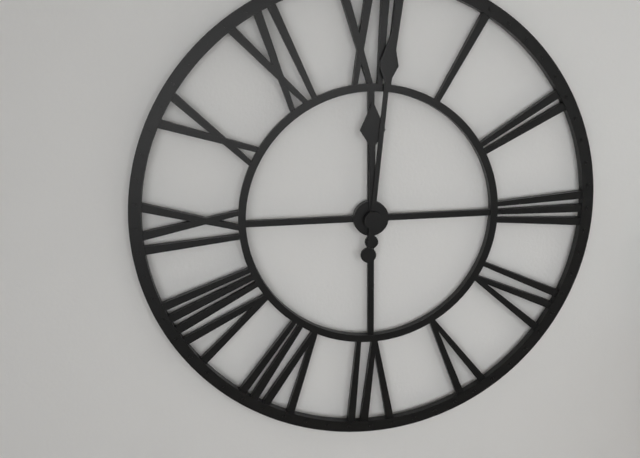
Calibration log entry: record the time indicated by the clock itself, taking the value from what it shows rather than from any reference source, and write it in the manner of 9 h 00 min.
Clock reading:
12 h 01 min
